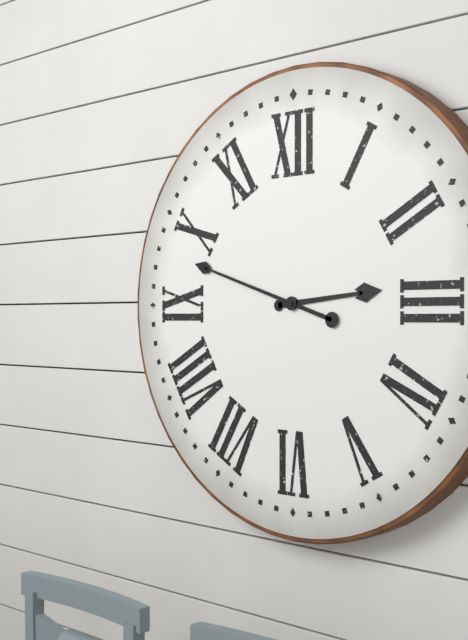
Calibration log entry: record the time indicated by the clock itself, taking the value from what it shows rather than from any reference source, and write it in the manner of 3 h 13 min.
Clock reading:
2 h 48 min
